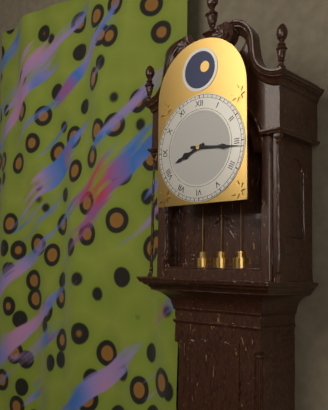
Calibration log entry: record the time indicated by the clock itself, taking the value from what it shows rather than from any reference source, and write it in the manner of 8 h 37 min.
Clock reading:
8 h 16 min
